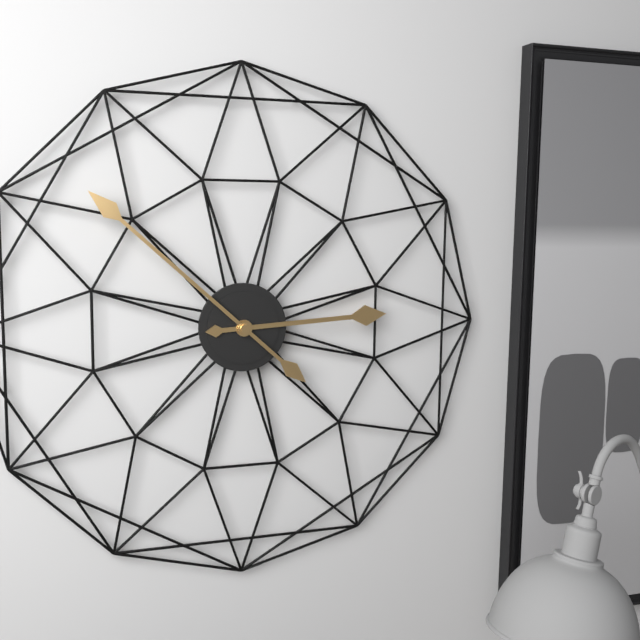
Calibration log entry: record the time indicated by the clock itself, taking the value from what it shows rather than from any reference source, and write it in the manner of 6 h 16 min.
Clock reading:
2 h 52 min
